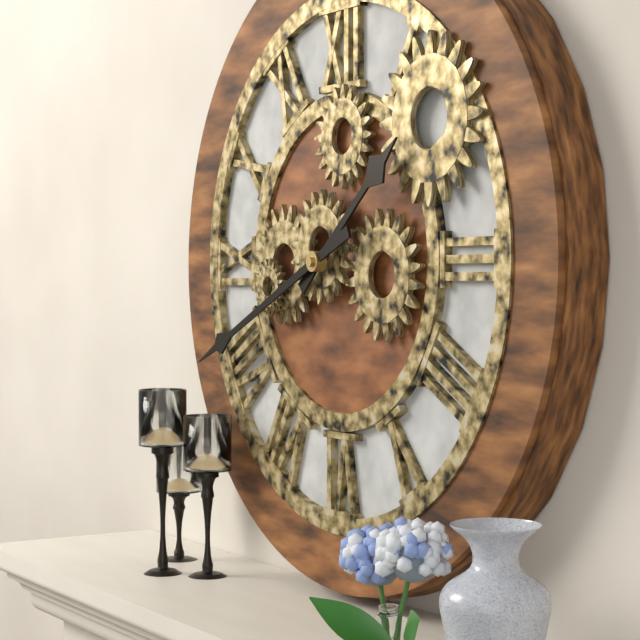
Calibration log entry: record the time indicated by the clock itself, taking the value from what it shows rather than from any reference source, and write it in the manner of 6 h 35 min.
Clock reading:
1 h 41 min
